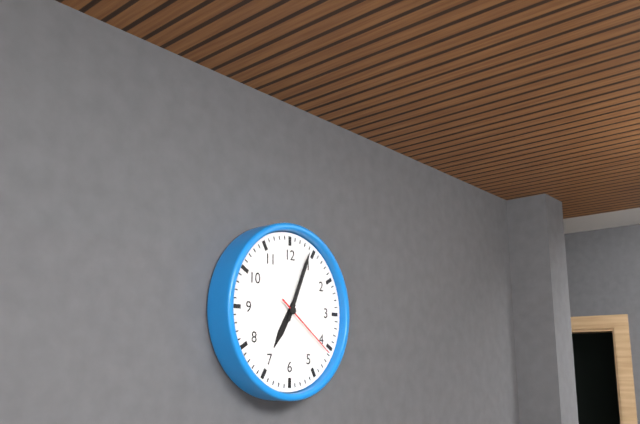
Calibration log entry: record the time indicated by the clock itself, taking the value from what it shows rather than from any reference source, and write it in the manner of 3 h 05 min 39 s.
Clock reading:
7 h 04 min 21 s
